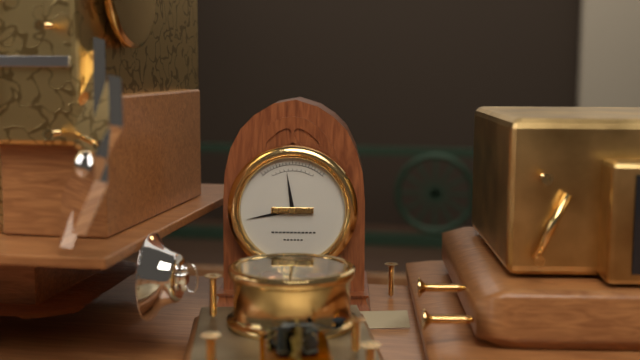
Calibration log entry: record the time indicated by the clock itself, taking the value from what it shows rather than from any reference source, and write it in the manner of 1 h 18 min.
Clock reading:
11 h 43 min
